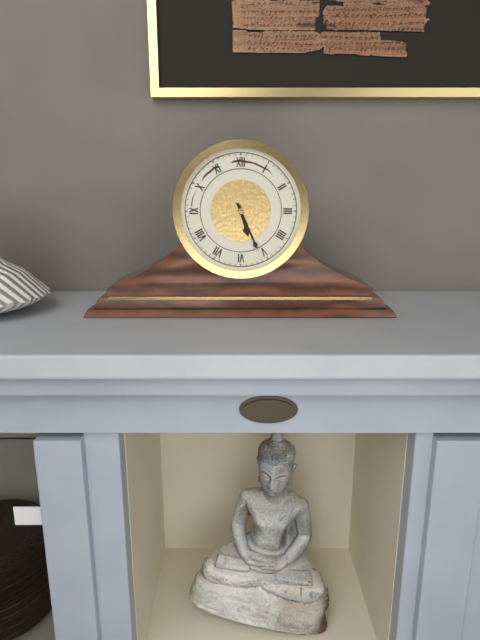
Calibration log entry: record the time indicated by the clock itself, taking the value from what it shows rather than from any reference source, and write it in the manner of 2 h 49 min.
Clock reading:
5 h 26 min
